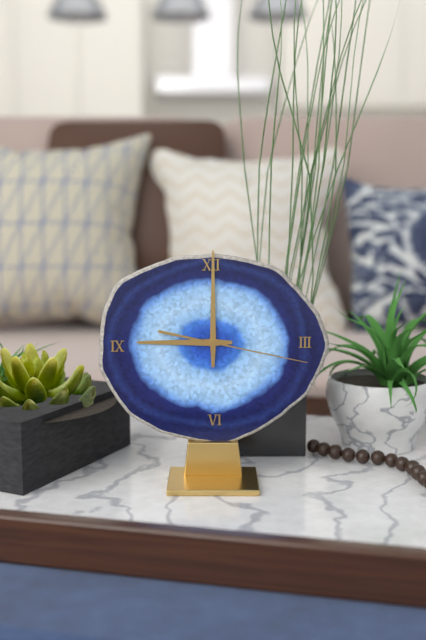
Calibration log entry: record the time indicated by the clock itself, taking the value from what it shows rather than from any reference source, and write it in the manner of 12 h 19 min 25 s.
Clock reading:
9 h 00 min 17 s
